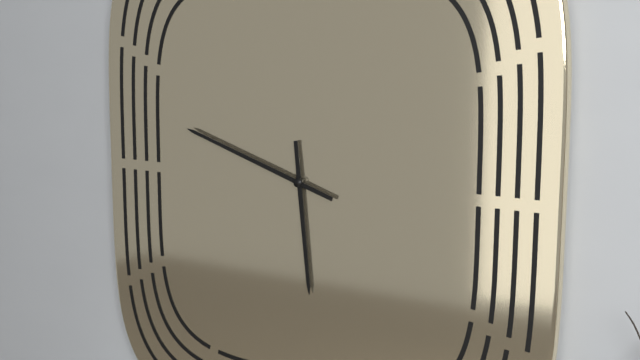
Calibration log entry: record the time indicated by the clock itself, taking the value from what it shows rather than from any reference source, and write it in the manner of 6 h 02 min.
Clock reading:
5 h 48 min
